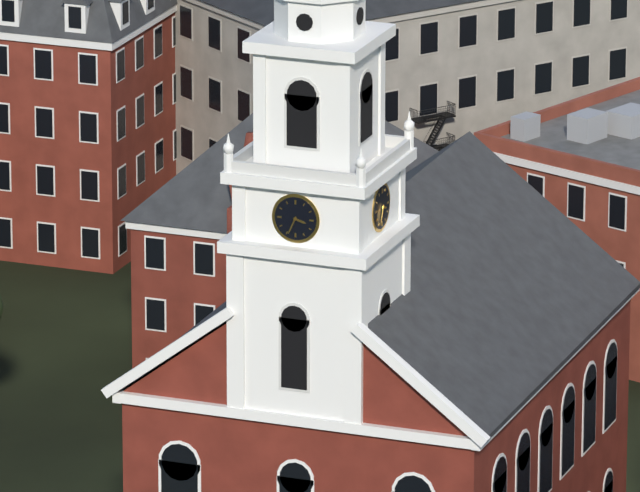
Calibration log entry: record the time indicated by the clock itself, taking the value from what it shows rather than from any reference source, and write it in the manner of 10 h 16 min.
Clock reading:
3 h 34 min
